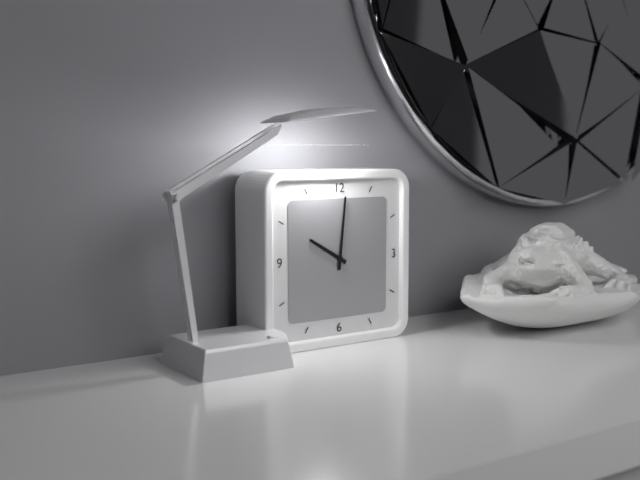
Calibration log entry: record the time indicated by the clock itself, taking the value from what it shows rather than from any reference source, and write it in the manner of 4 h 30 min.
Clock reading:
10 h 01 min
